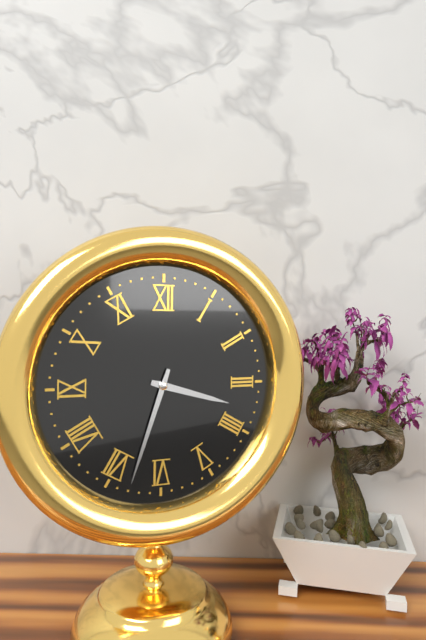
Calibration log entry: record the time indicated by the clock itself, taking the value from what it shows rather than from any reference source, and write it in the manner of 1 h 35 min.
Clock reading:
3 h 33 min
